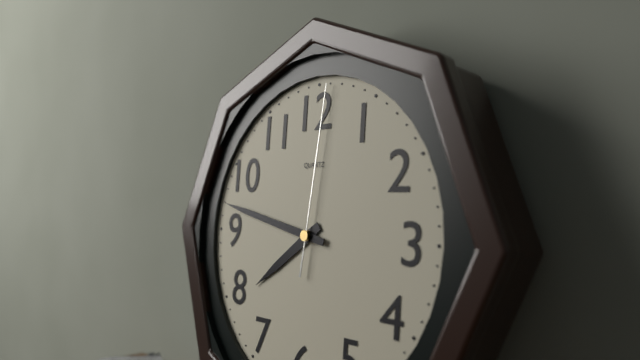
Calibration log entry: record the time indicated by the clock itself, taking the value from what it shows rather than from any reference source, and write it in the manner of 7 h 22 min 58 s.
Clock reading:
7 h 47 min 01 s
